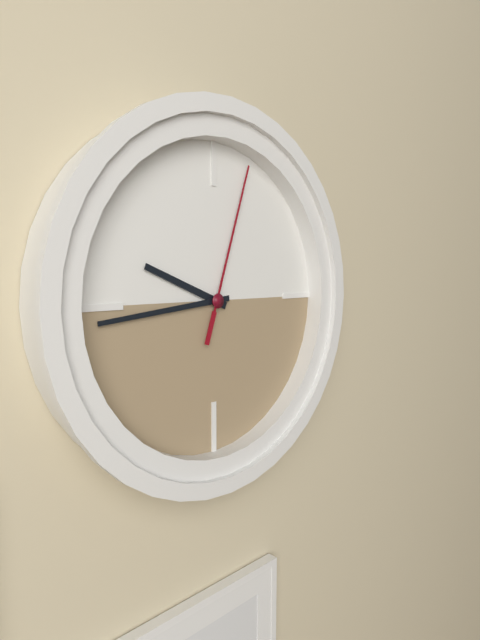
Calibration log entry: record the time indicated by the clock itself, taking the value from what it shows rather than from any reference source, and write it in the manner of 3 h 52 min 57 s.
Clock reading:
9 h 44 min 03 s
